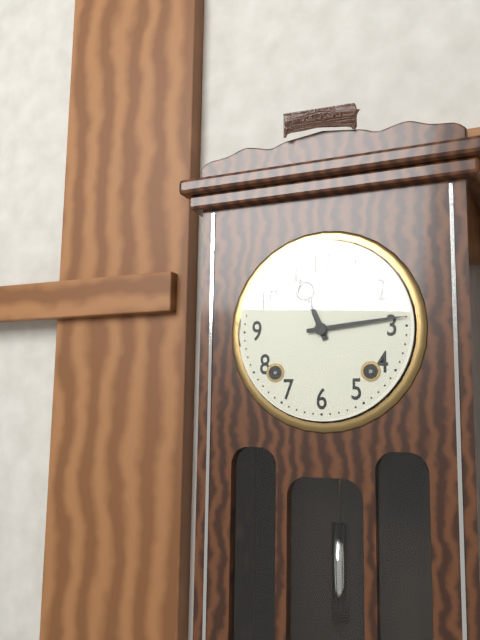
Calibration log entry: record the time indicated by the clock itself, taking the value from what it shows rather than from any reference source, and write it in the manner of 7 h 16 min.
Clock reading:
11 h 14 min
